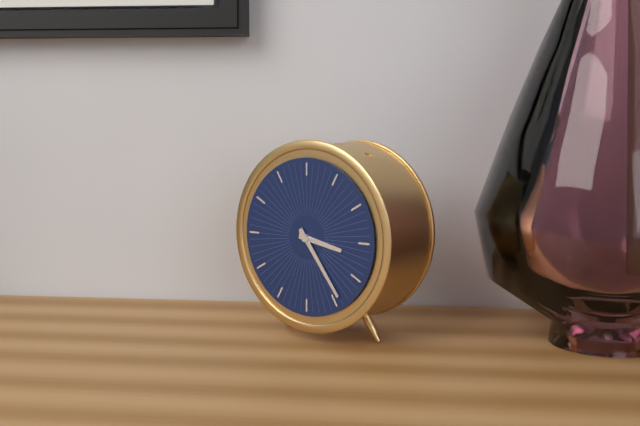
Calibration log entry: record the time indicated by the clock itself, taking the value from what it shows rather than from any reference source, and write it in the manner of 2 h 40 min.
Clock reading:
3 h 24 min
